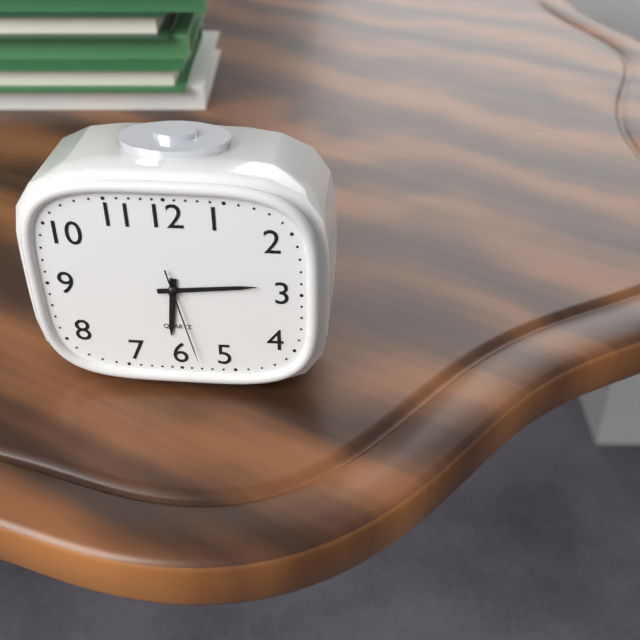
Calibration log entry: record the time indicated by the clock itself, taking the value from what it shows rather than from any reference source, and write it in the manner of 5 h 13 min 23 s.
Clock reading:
6 h 14 min 28 s
